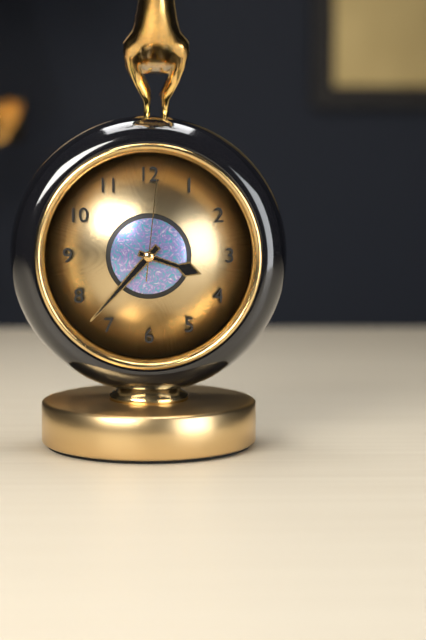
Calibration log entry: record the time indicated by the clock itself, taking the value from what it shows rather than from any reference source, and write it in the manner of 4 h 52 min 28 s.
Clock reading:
3 h 37 min 01 s
